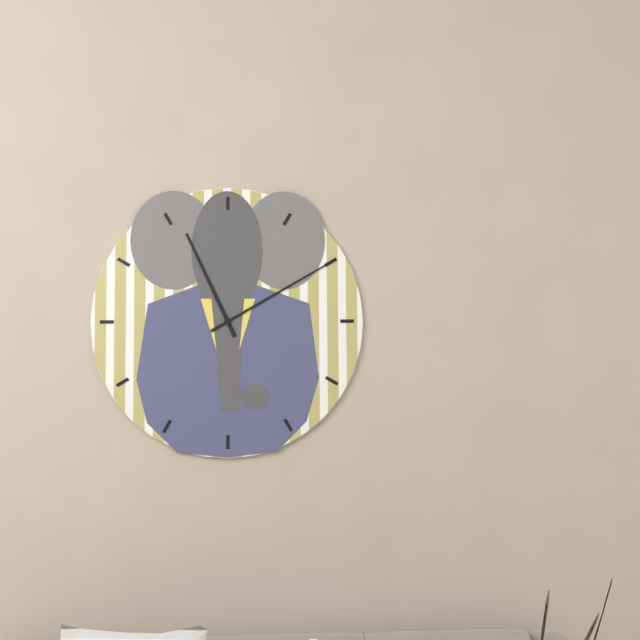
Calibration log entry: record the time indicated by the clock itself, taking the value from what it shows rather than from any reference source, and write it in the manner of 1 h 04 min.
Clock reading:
11 h 10 min
